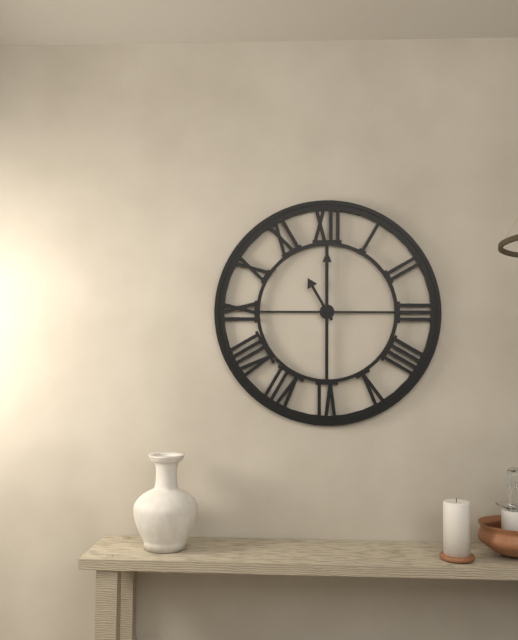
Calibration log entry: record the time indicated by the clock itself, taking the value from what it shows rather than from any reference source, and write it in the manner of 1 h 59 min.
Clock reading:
11 h 00 min
